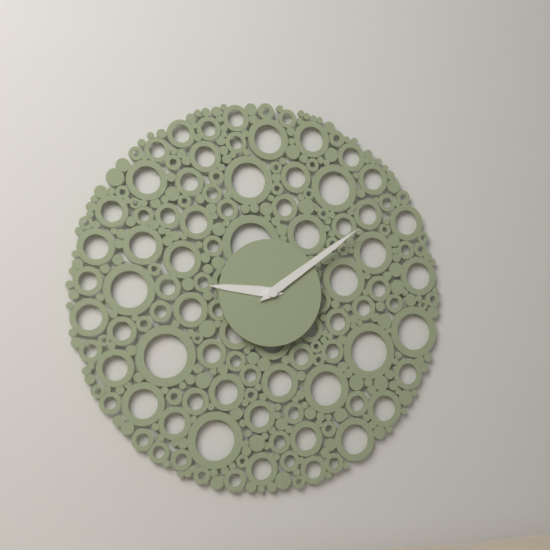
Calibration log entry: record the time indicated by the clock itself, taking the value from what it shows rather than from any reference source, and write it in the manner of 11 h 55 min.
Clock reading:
9 h 09 min
